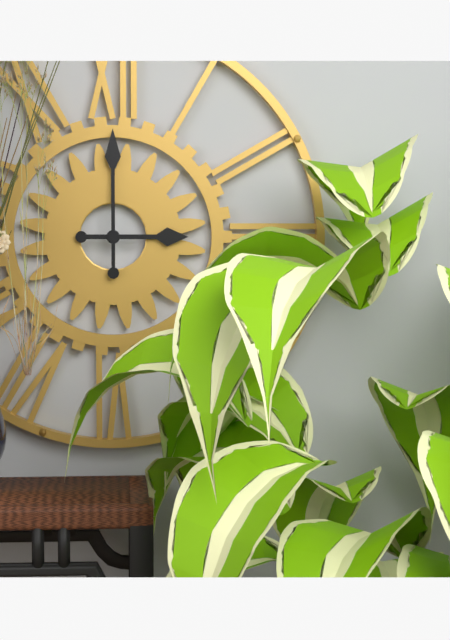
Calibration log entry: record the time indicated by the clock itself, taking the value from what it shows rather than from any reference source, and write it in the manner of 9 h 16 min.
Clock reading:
3 h 00 min
